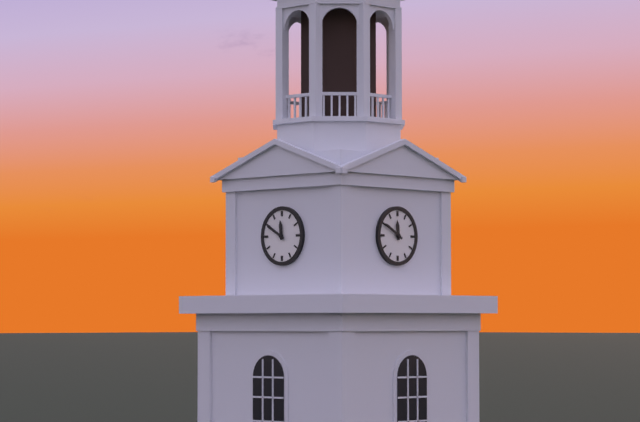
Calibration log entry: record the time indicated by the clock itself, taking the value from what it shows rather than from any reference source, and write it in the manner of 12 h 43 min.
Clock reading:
11 h 50 min
